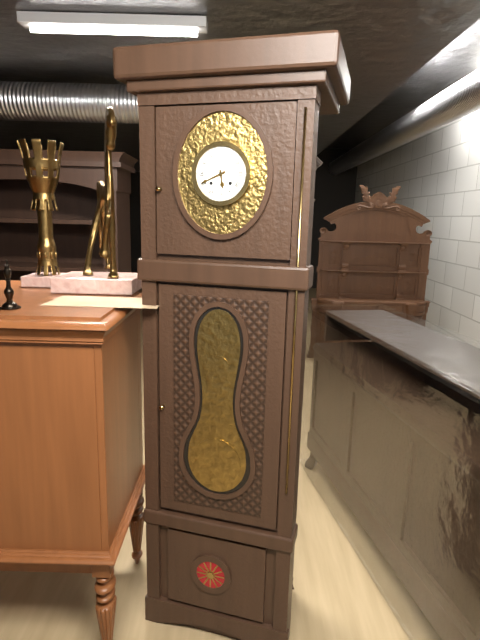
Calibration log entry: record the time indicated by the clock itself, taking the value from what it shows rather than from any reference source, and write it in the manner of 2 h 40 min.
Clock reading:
5 h 41 min
